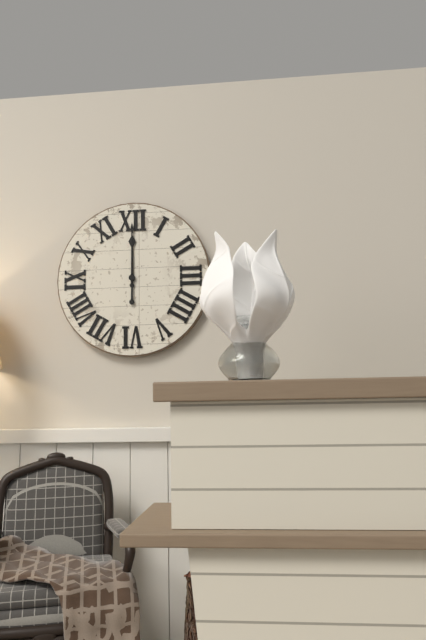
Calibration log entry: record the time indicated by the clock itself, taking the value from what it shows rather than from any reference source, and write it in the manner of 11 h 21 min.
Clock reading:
12 h 00 min
